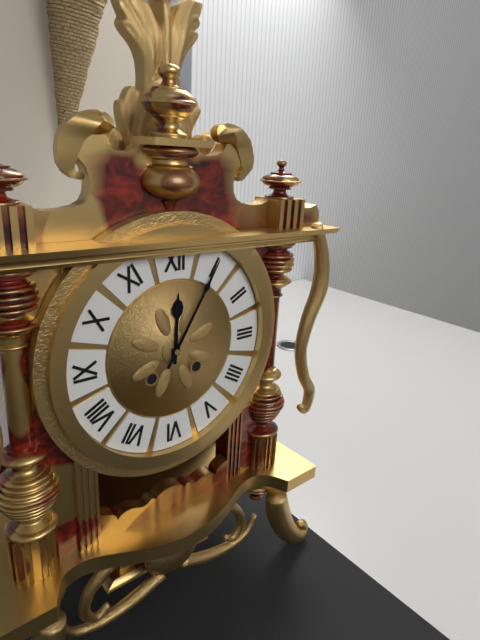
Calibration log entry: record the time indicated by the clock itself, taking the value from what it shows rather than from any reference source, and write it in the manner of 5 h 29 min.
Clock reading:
12 h 05 min
